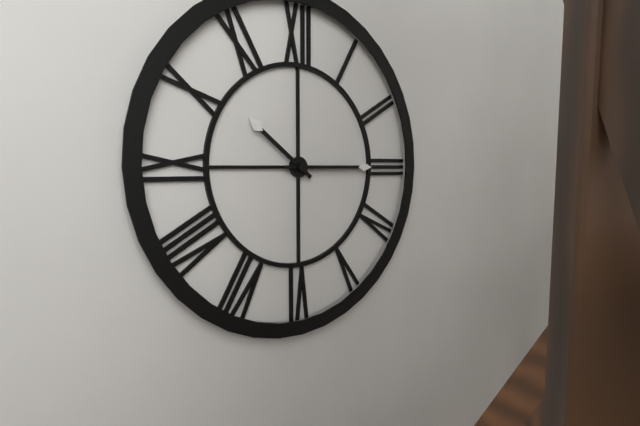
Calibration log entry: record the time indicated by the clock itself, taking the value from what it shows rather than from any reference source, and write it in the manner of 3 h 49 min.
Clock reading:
10 h 15 min
